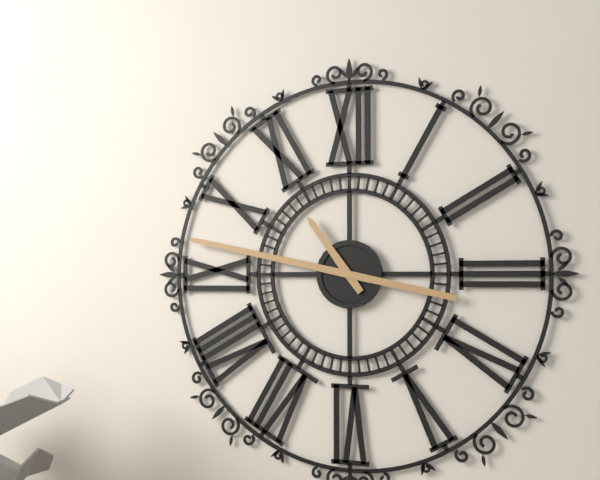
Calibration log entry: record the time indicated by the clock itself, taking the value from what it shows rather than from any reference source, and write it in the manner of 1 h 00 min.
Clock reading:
10 h 47 min
